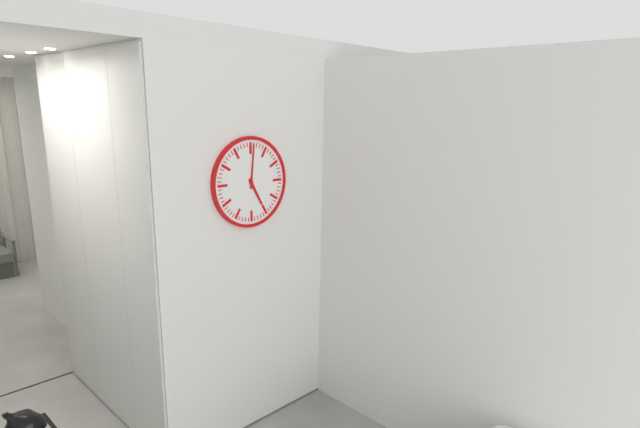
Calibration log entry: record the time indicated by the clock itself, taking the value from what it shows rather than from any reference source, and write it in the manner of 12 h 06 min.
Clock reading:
5 h 01 min
